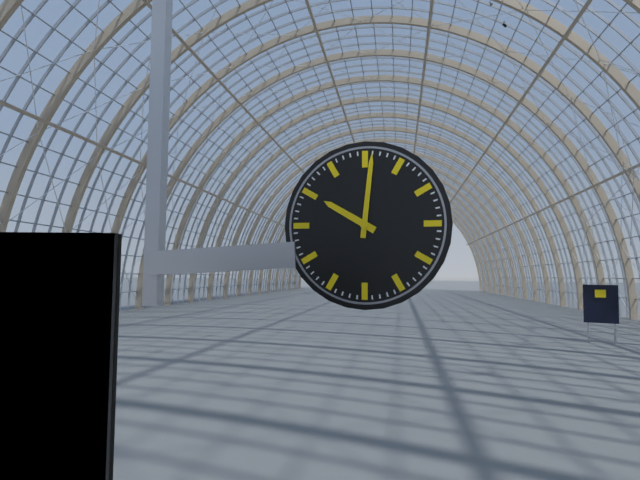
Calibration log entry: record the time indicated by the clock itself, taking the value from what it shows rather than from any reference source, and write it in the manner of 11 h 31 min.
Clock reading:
10 h 01 min
